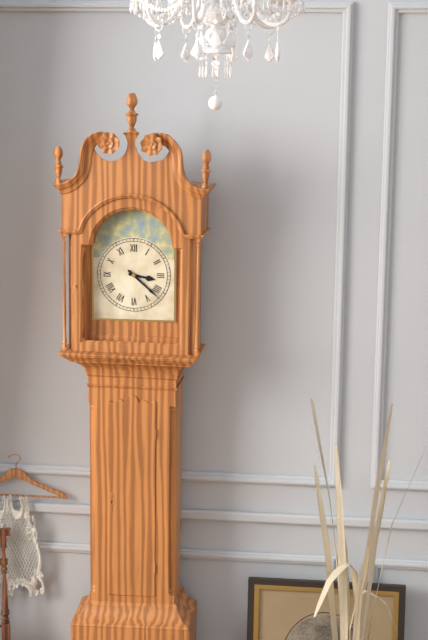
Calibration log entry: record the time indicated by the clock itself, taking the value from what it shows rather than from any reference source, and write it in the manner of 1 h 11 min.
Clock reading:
3 h 22 min
